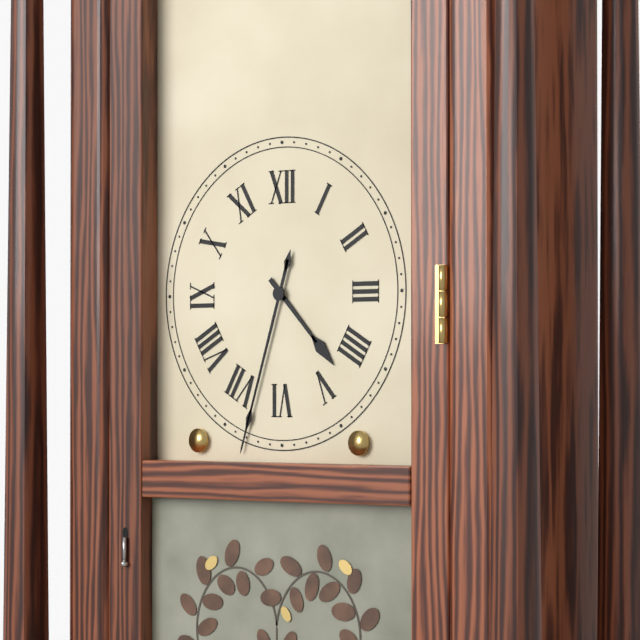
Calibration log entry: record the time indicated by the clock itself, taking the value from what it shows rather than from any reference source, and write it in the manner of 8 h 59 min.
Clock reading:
4 h 33 min
